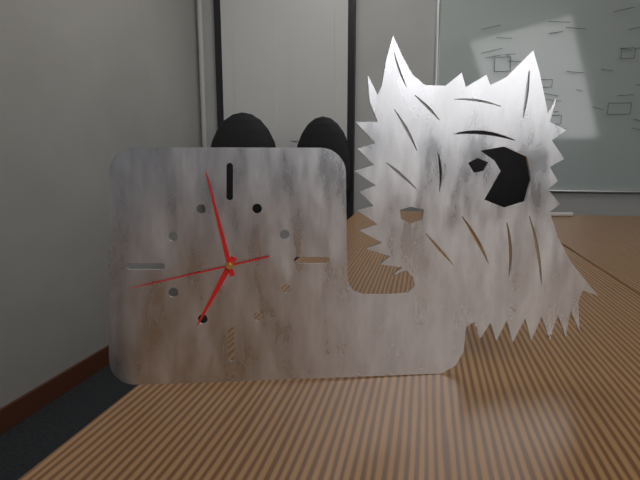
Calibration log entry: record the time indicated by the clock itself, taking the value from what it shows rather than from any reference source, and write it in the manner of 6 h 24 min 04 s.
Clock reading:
6 h 58 min 43 s
